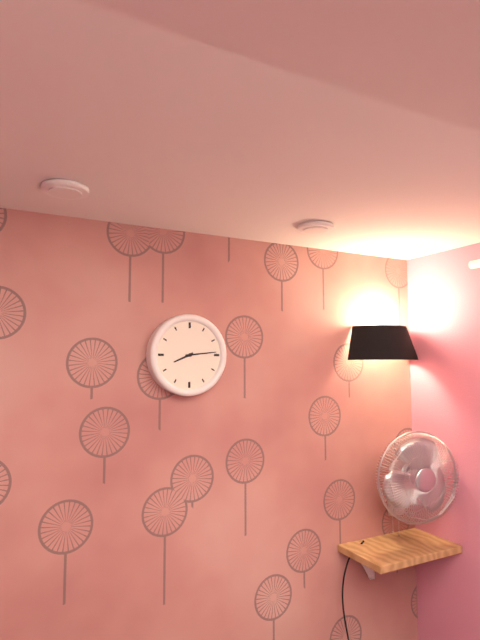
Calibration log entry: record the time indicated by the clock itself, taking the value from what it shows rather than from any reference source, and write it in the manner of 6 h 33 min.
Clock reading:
8 h 14 min
